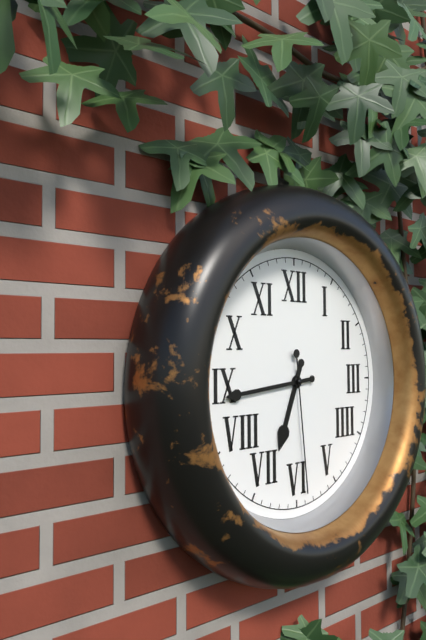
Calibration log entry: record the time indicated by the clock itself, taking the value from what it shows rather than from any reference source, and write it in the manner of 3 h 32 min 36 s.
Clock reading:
6 h 44 min 29 s
